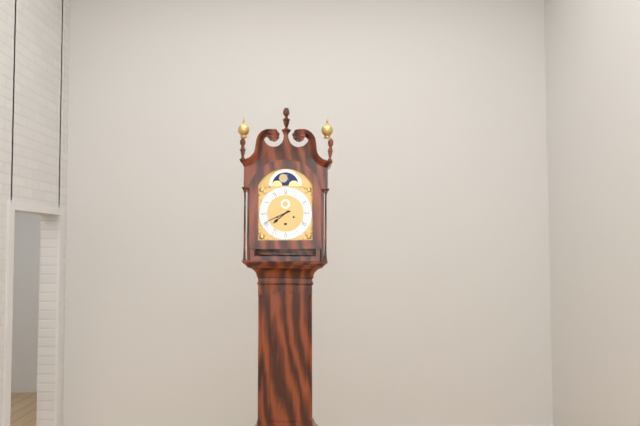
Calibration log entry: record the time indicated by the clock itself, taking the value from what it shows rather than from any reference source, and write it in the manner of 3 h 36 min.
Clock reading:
7 h 41 min
